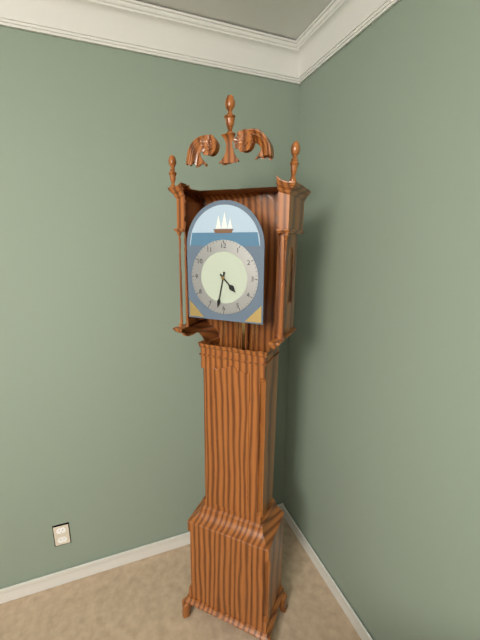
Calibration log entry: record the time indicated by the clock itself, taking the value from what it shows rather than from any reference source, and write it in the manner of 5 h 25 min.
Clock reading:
4 h 32 min
